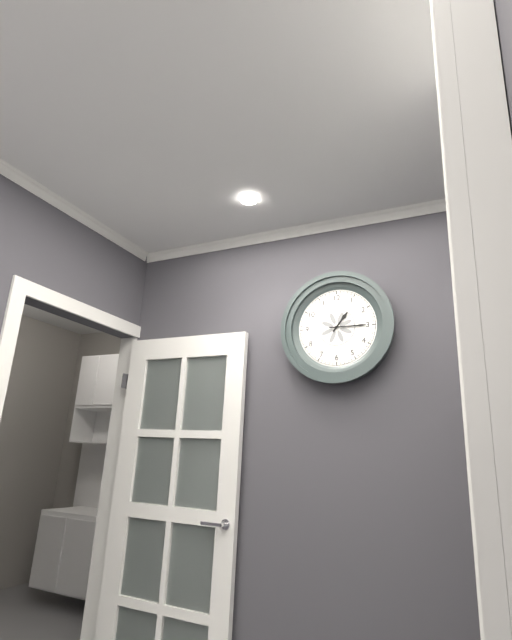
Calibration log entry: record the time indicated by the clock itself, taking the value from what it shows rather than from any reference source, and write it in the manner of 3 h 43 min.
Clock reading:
1 h 15 min
